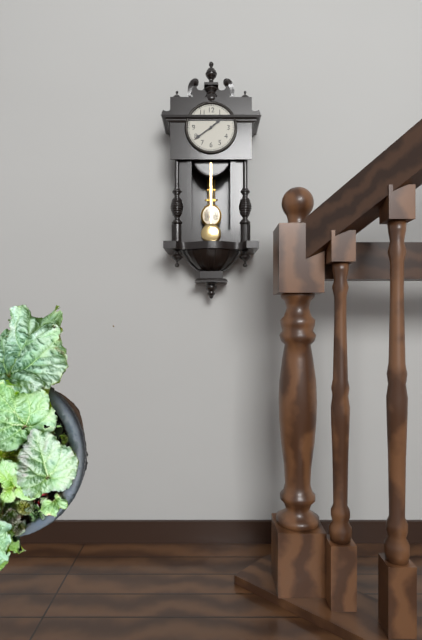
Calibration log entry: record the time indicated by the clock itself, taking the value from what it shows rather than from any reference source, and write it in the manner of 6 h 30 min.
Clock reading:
1 h 39 min
